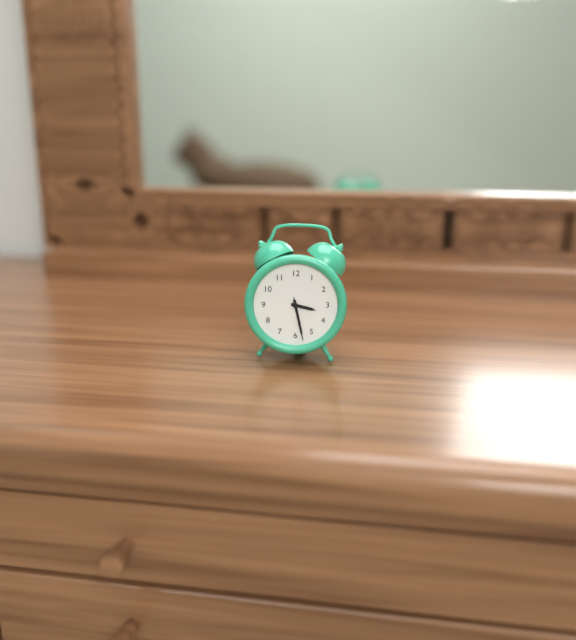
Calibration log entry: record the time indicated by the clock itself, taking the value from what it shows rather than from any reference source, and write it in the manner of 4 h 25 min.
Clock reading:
3 h 28 min
